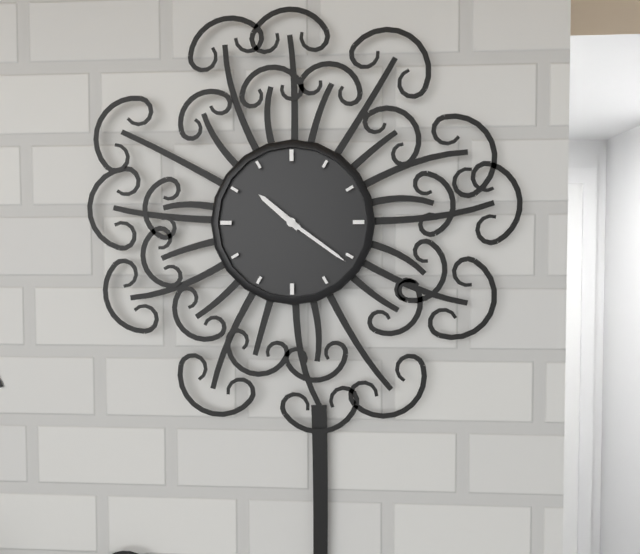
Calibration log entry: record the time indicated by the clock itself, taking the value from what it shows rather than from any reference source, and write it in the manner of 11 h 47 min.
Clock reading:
10 h 21 min
